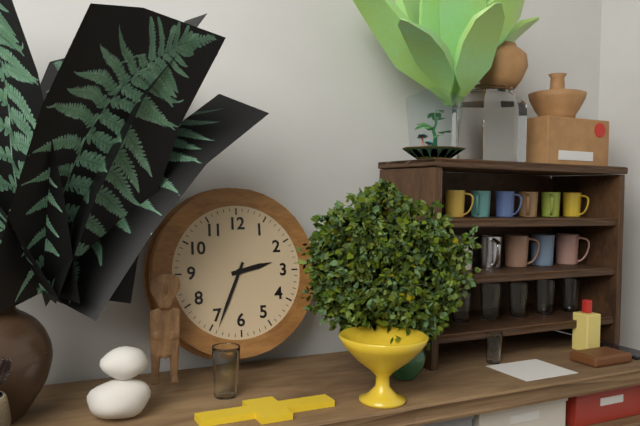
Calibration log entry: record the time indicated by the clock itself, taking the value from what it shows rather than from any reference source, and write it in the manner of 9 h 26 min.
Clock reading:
2 h 34 min
